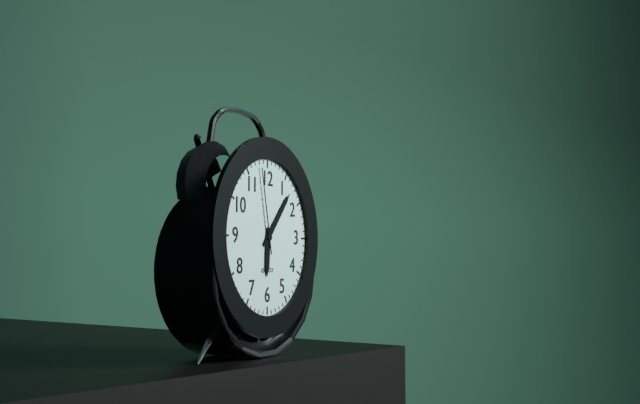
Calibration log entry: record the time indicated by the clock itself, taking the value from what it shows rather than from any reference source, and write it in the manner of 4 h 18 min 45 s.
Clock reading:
6 h 07 min 58 s
